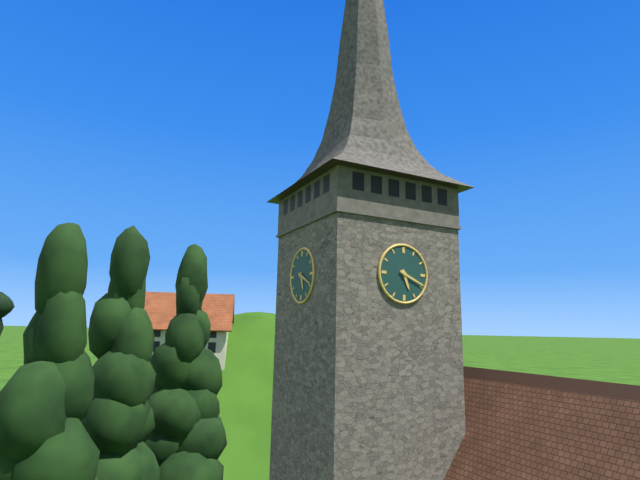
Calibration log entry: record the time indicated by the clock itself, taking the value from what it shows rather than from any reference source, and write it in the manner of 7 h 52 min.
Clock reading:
5 h 19 min
